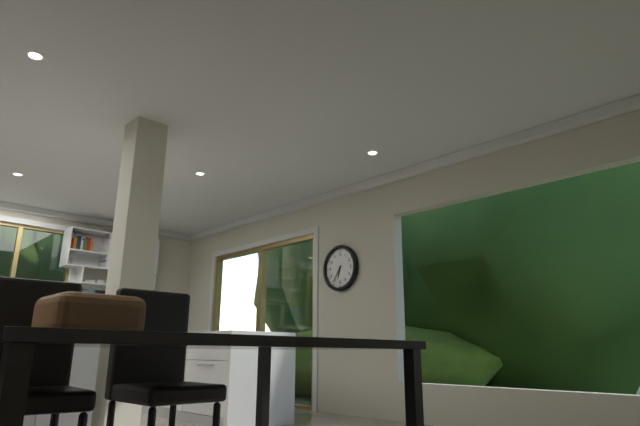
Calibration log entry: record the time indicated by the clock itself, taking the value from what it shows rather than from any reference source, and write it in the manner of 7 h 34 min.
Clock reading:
6 h 36 min
